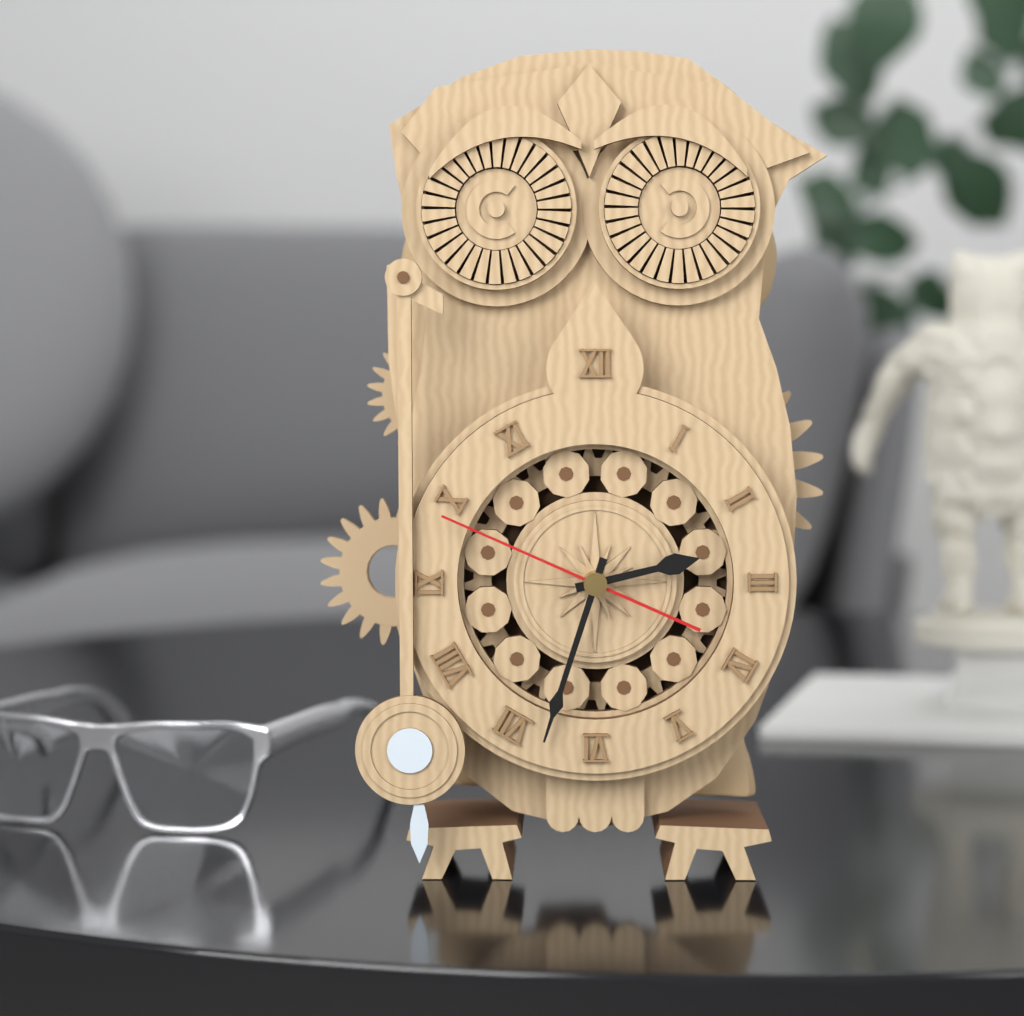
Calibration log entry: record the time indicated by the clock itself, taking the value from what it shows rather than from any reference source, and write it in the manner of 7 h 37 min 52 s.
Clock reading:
2 h 33 min 49 s
